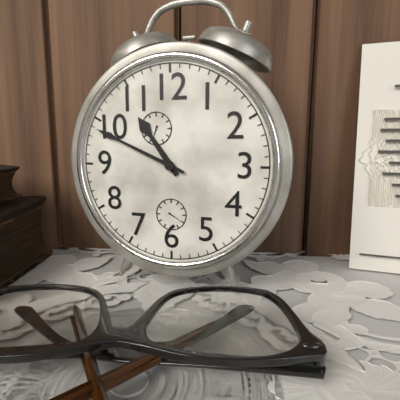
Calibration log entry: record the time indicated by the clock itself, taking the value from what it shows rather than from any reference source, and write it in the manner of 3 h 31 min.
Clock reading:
10 h 49 min
